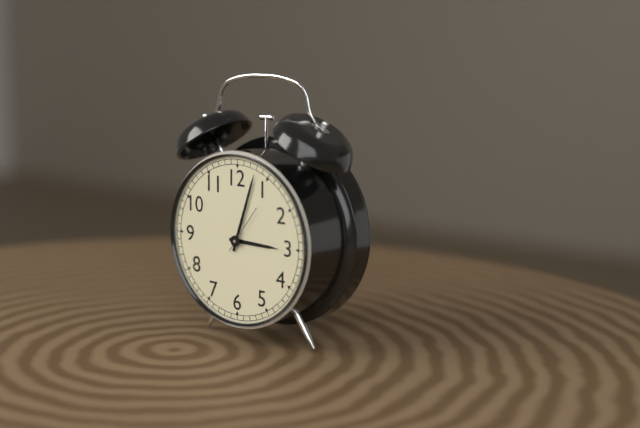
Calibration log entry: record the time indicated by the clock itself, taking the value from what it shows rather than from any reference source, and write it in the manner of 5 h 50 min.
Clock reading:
3 h 03 min
